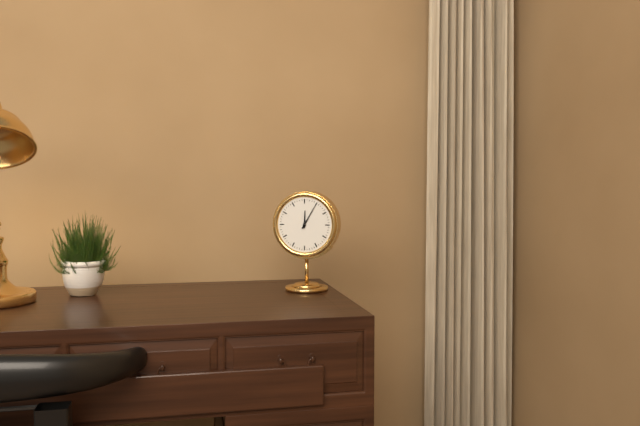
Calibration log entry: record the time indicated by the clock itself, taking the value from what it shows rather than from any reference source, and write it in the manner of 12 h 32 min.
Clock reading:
12 h 05 min
